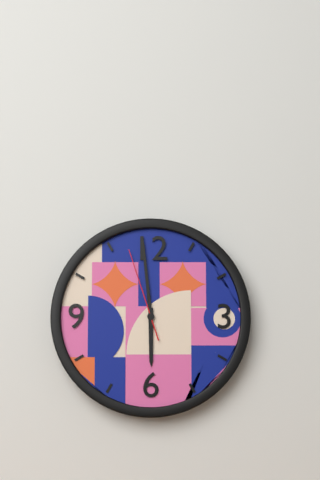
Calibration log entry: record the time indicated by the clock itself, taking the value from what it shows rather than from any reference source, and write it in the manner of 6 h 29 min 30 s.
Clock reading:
5 h 59 min 57 s
